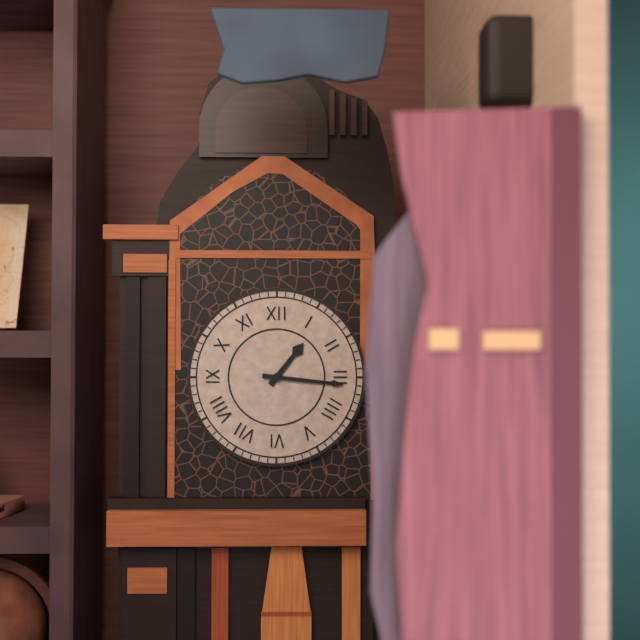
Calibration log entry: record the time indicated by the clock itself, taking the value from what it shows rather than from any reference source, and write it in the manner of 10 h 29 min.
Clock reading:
1 h 16 min
